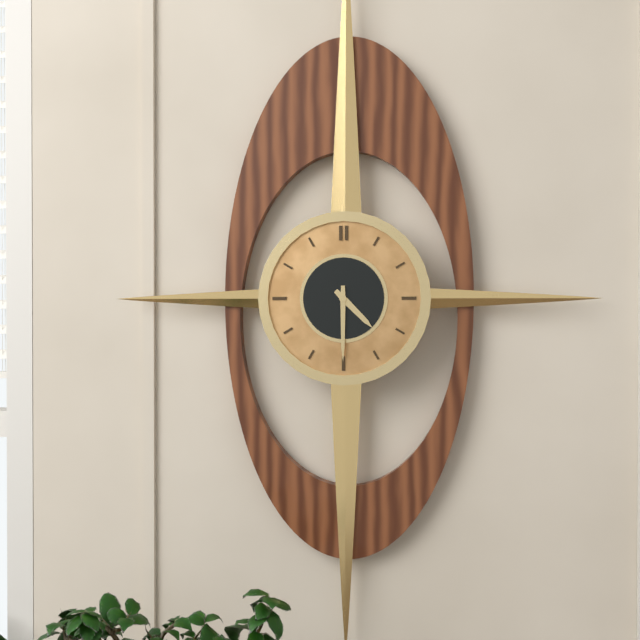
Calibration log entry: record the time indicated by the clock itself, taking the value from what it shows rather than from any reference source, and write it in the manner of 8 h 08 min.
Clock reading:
4 h 30 min
